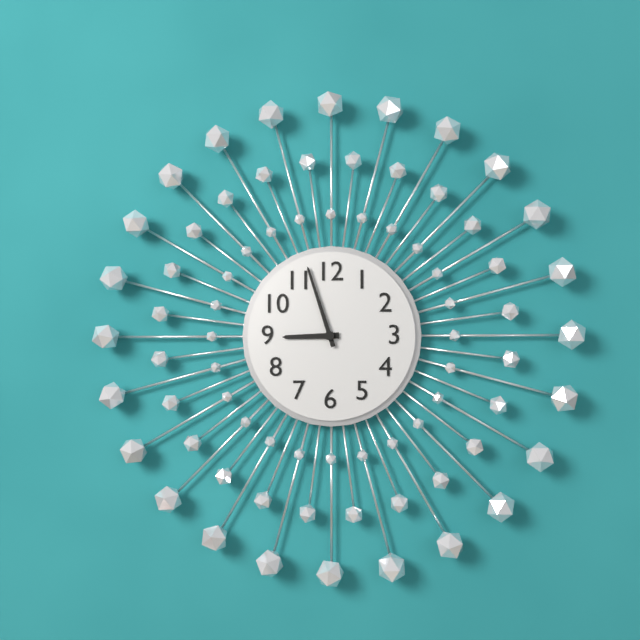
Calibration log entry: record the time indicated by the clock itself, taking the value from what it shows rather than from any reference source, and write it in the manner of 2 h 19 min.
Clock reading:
8 h 57 min
